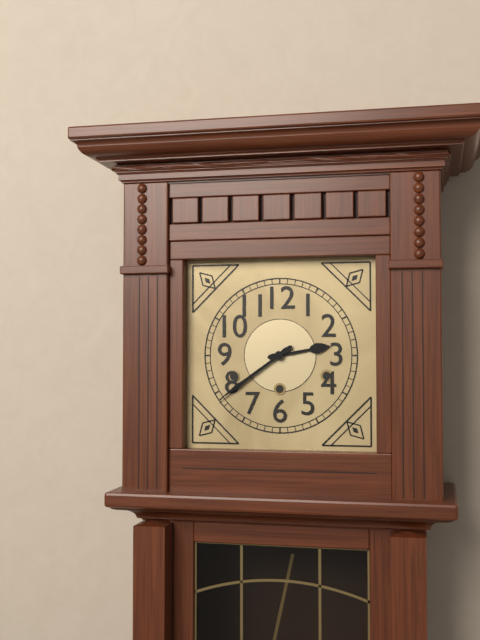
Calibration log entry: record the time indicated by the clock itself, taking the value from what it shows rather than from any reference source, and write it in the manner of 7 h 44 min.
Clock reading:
2 h 39 min
